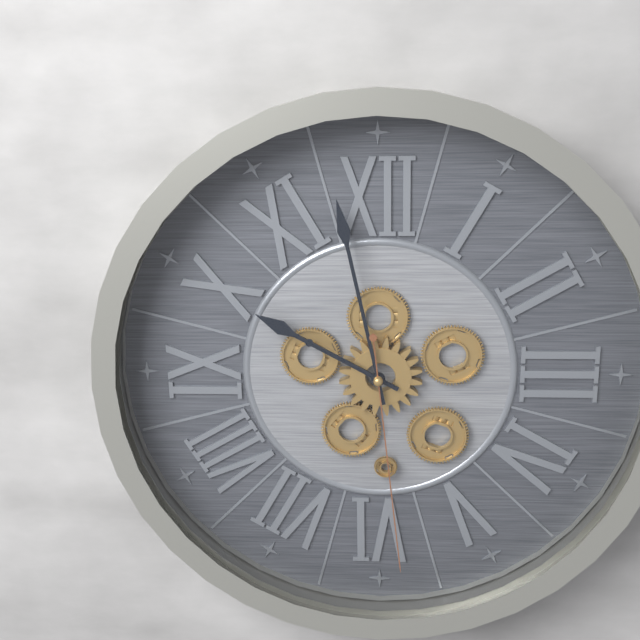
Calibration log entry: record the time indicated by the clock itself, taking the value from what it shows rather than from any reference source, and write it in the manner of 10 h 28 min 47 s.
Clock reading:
9 h 58 min 29 s
